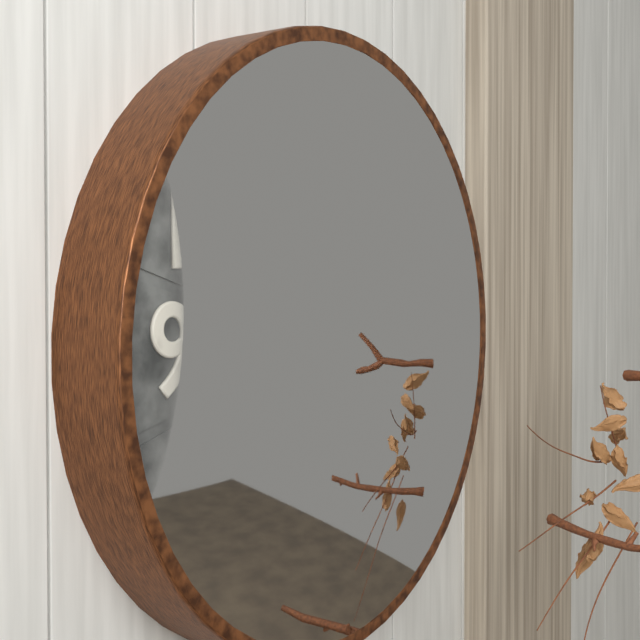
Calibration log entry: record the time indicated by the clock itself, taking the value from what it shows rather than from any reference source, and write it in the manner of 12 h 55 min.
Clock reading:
2 h 33 min
